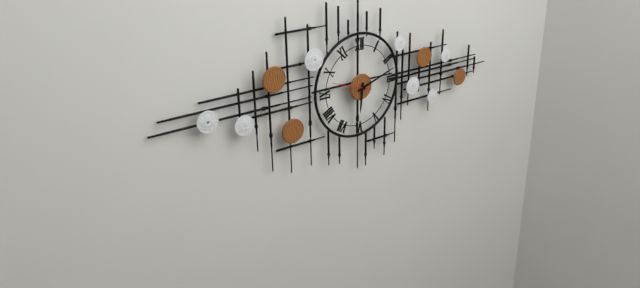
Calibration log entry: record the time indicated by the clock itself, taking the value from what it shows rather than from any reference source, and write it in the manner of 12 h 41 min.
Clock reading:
6 h 12 min
